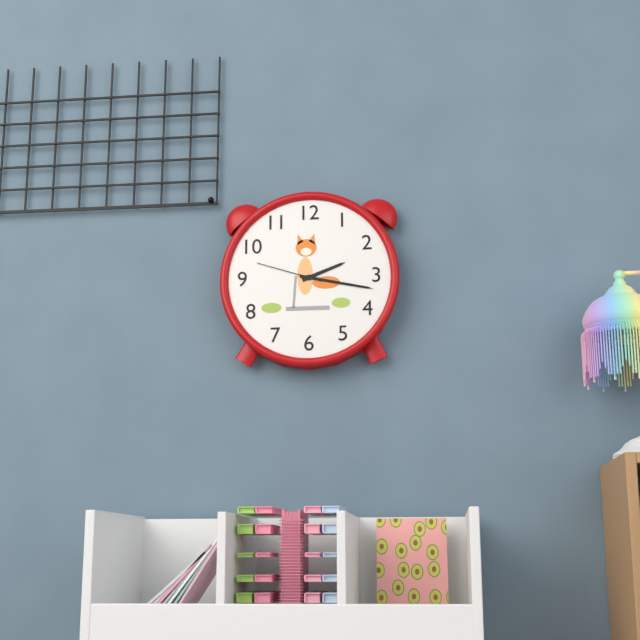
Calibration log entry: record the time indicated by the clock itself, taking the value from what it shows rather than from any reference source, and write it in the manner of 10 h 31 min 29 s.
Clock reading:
2 h 17 min 48 s
